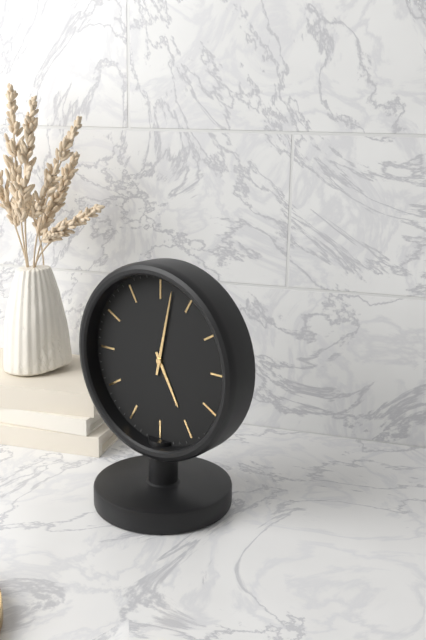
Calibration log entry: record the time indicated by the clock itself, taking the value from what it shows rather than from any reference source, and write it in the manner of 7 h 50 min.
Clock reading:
5 h 02 min
